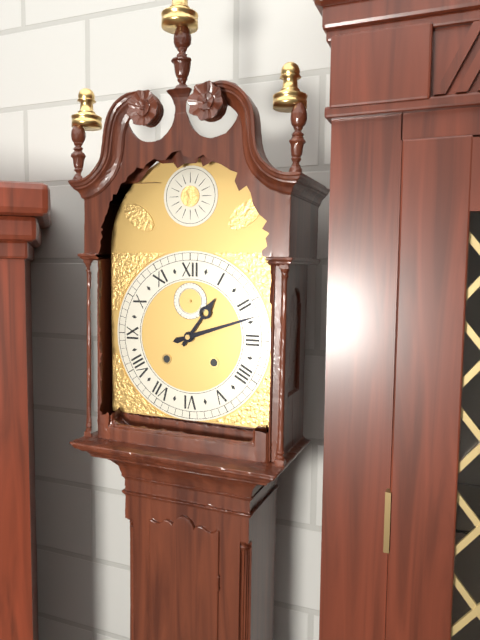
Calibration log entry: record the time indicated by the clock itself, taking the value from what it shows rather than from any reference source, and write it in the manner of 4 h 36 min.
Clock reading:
1 h 12 min
